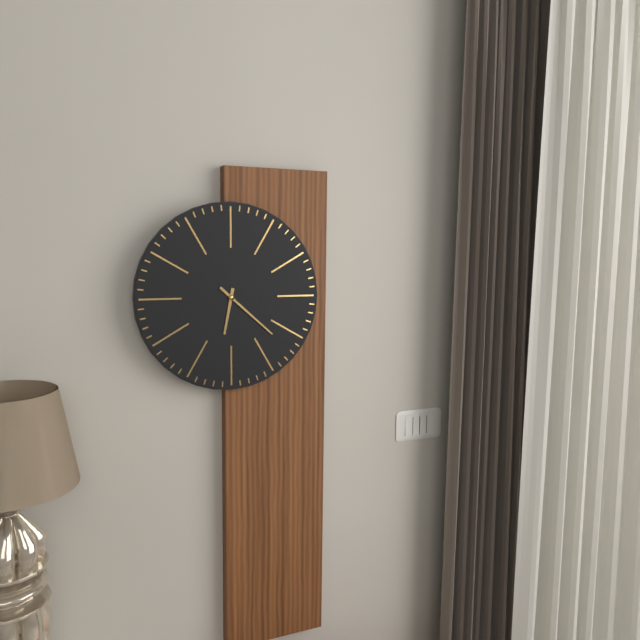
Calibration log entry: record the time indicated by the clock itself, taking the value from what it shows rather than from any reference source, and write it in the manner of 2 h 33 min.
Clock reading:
6 h 22 min
